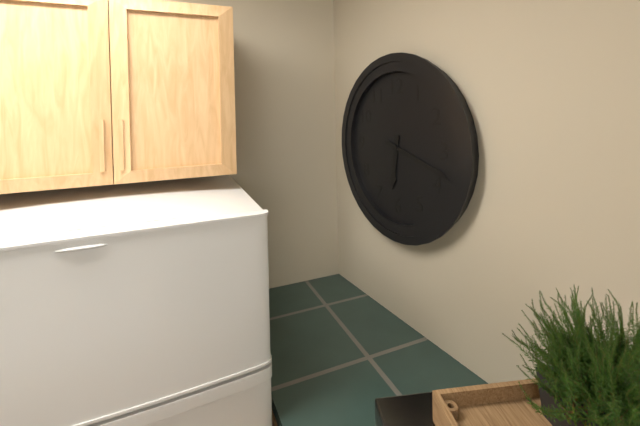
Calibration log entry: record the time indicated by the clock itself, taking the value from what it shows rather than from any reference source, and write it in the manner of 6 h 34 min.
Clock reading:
6 h 18 min
